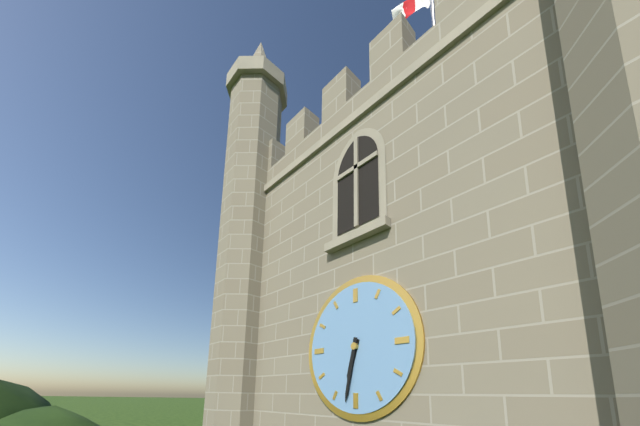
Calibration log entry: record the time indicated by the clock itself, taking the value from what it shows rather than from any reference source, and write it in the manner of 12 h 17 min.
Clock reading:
6 h 32 min
